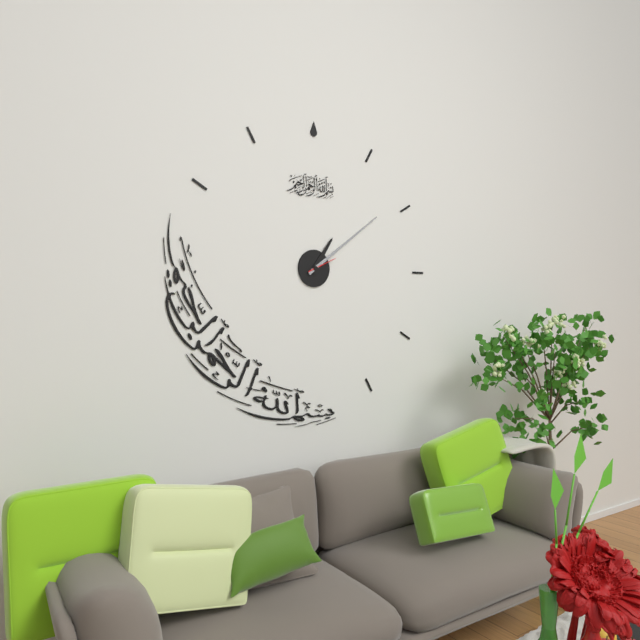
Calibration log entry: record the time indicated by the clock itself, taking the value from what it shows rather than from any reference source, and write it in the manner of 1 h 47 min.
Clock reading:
1 h 09 min
